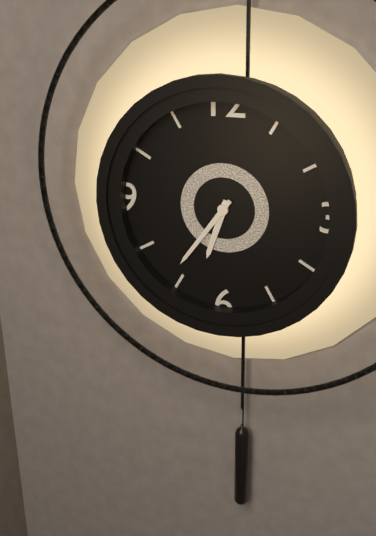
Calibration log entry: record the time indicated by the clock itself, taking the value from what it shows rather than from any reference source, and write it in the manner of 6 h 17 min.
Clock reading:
6 h 36 min
